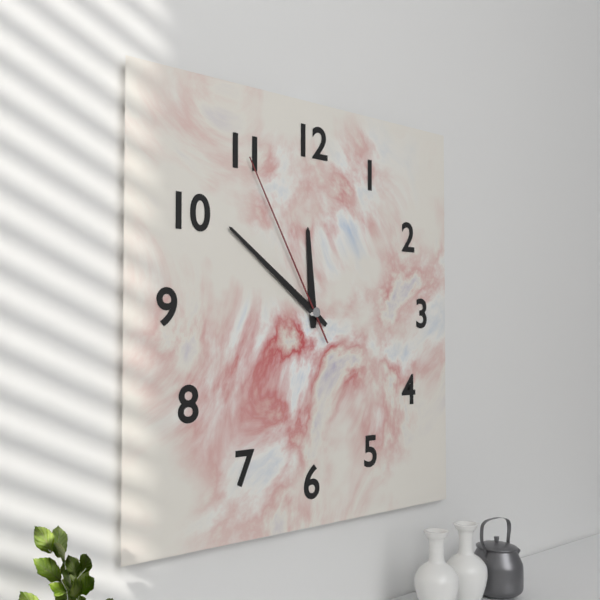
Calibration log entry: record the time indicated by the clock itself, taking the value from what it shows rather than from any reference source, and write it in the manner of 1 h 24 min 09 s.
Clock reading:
11 h 51 min 55 s
